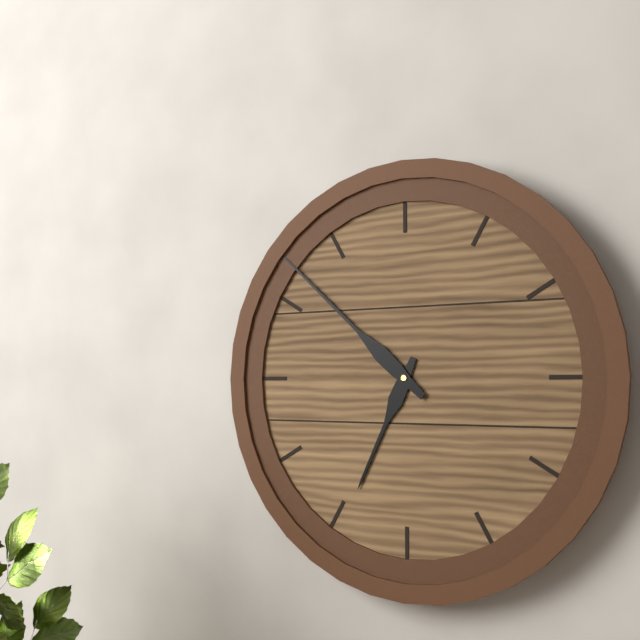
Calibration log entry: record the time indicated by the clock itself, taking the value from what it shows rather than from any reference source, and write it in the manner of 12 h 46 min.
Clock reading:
6 h 52 min
